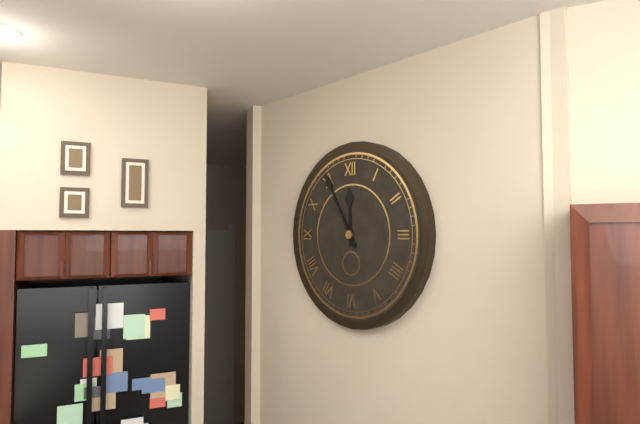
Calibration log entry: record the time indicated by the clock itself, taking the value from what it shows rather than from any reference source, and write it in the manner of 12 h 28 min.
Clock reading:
11 h 55 min
